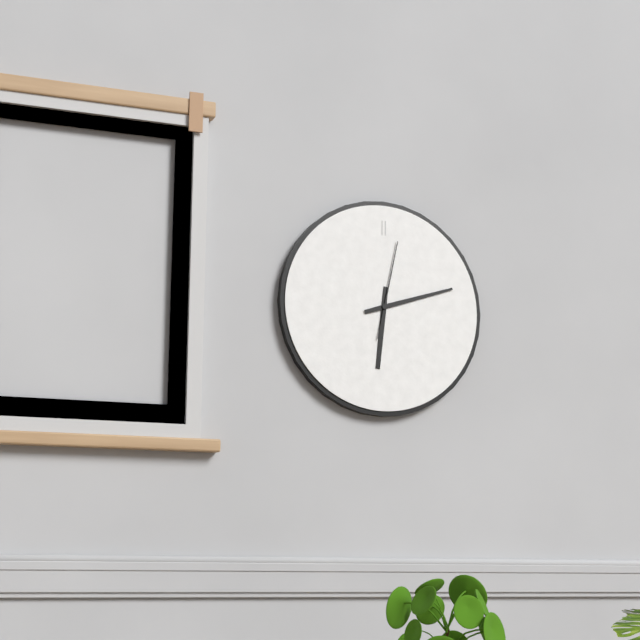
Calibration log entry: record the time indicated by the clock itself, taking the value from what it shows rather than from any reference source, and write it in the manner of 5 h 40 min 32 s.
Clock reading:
6 h 12 min 02 s
